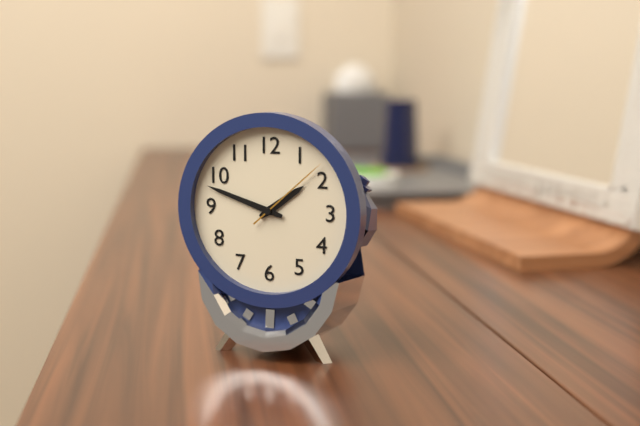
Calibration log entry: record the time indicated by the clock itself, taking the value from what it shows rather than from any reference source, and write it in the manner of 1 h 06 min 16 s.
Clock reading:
1 h 48 min 08 s
